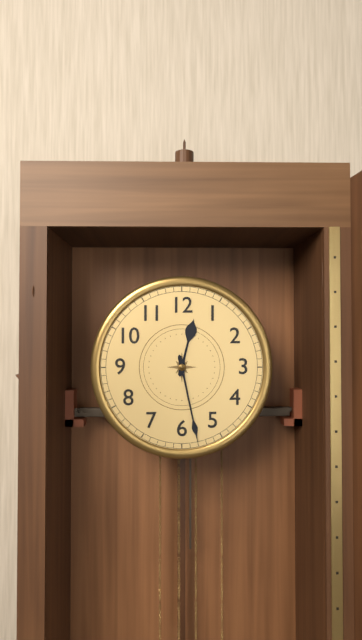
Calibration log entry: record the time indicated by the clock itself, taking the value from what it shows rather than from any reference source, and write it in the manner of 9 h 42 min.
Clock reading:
12 h 28 min
